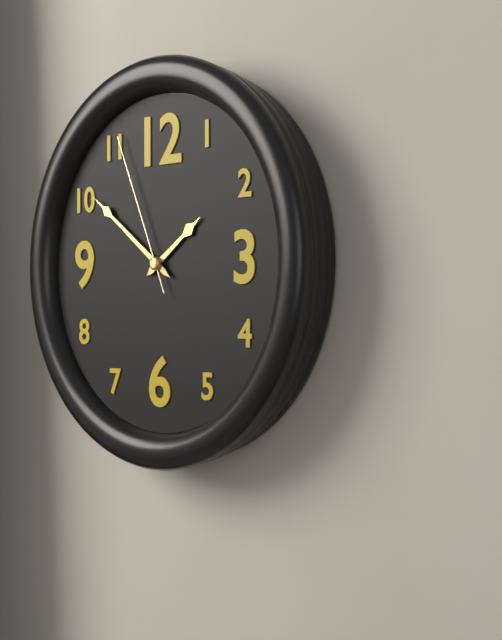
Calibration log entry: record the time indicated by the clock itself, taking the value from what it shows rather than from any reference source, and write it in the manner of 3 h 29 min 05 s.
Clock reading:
1 h 51 min 56 s
